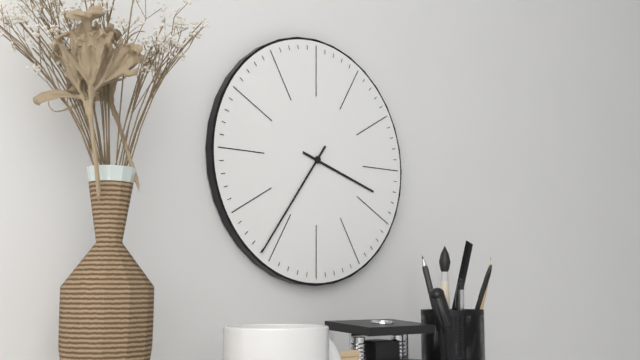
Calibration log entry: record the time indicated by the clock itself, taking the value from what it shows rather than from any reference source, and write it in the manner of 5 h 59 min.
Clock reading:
3 h 36 min
